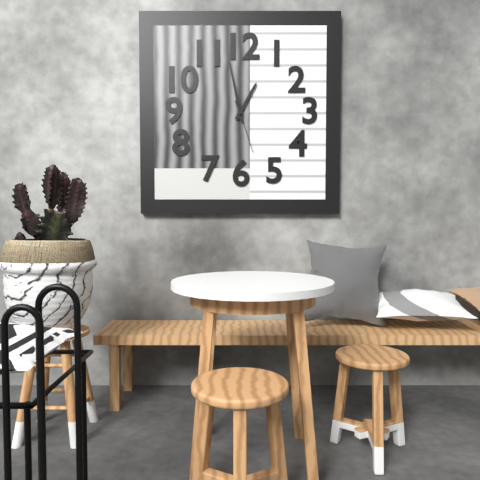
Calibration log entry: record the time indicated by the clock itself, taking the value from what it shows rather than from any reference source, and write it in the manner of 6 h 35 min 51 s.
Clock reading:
12 h 58 min 27 s
